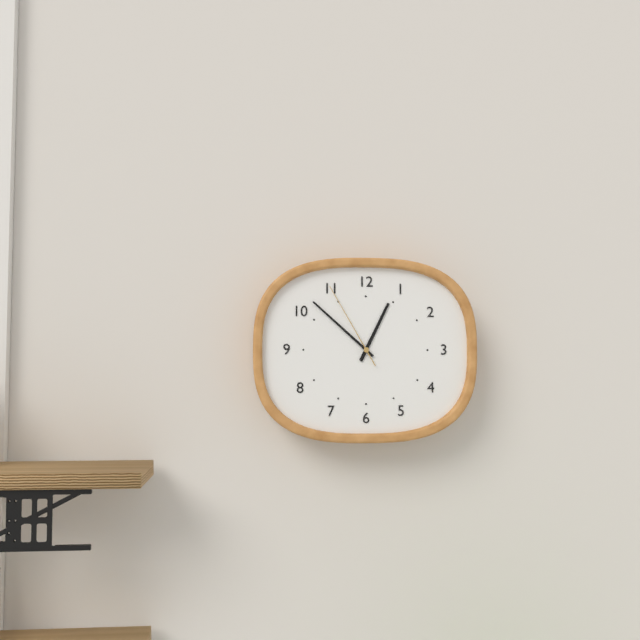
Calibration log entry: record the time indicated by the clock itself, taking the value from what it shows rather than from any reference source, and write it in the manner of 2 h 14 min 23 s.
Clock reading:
12 h 52 min 55 s
